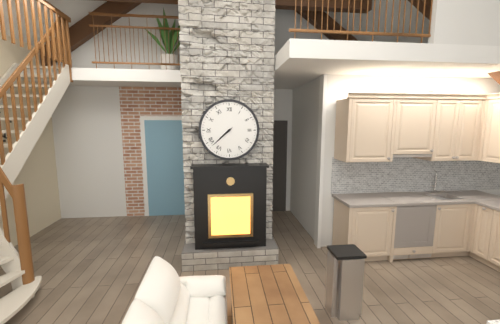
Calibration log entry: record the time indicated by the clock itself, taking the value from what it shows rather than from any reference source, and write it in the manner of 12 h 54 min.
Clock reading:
7 h 38 min
